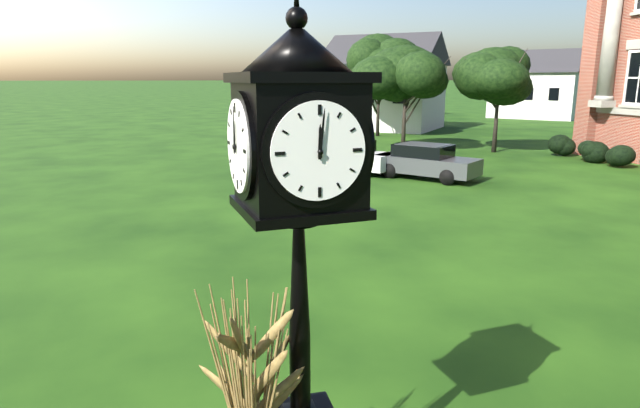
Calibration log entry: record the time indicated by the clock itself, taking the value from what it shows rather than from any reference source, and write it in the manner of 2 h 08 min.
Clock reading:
12 h 01 min
